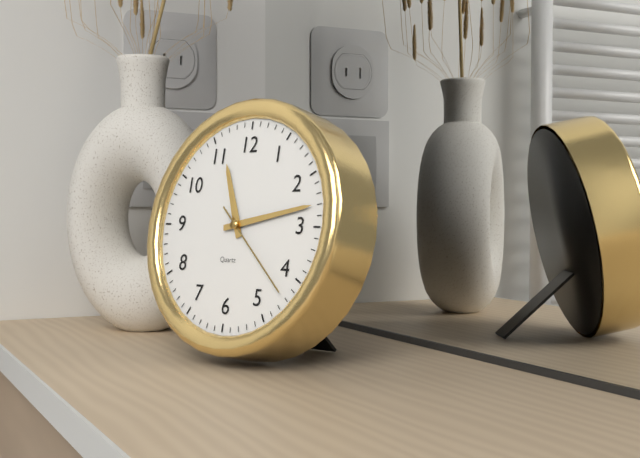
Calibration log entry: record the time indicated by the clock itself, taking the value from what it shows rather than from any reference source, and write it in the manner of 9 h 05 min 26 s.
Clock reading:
11 h 13 min 22 s
